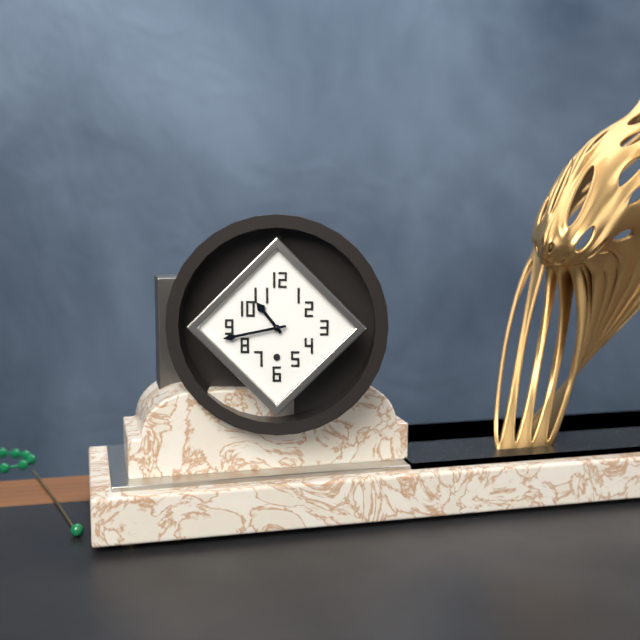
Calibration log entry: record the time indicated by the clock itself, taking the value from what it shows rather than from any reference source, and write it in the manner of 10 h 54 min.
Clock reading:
10 h 43 min
